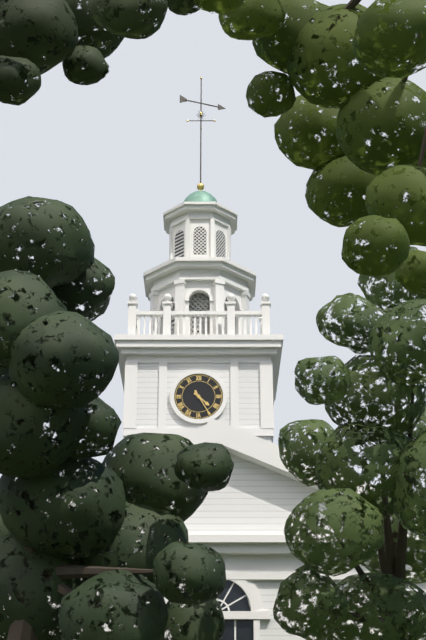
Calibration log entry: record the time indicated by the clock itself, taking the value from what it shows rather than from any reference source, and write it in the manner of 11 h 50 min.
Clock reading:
4 h 25 min
